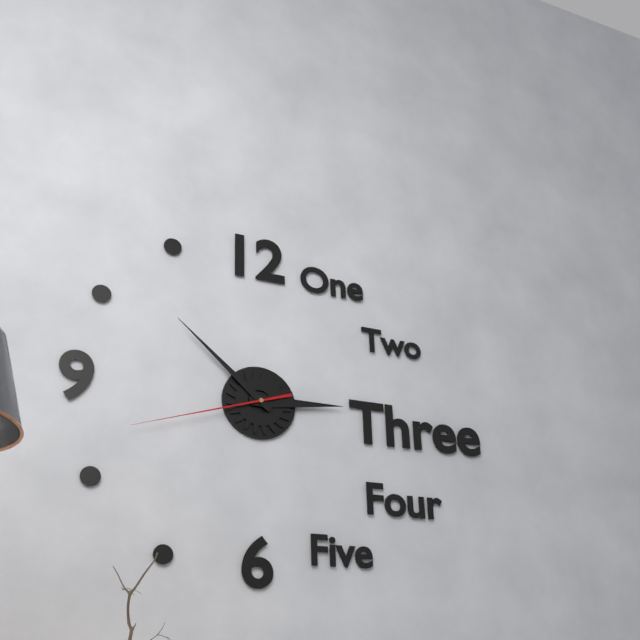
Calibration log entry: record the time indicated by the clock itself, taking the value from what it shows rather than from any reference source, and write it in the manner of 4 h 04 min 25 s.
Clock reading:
2 h 52 min 42 s
